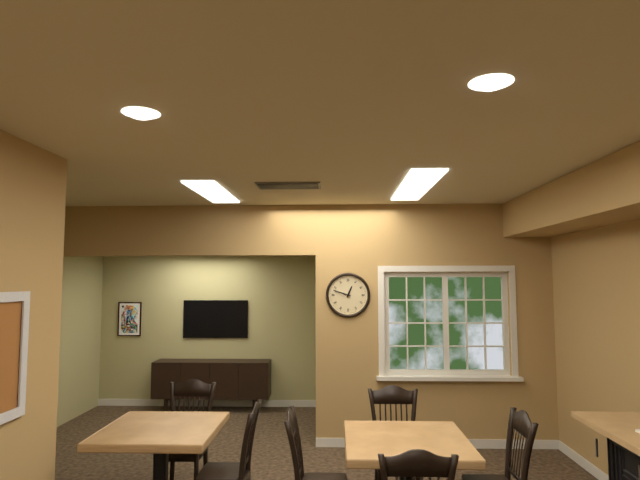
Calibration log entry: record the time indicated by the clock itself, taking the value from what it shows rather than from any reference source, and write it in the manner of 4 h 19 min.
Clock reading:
12 h 48 min
